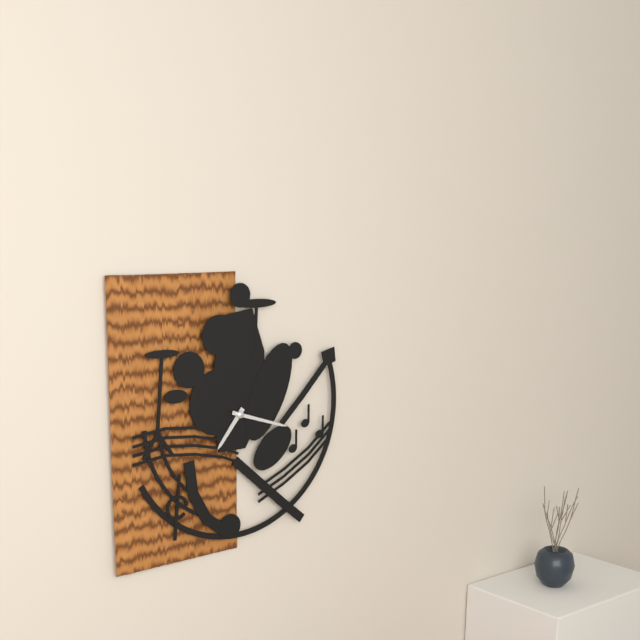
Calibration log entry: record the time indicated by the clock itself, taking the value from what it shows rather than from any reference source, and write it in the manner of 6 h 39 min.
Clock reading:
7 h 18 min
